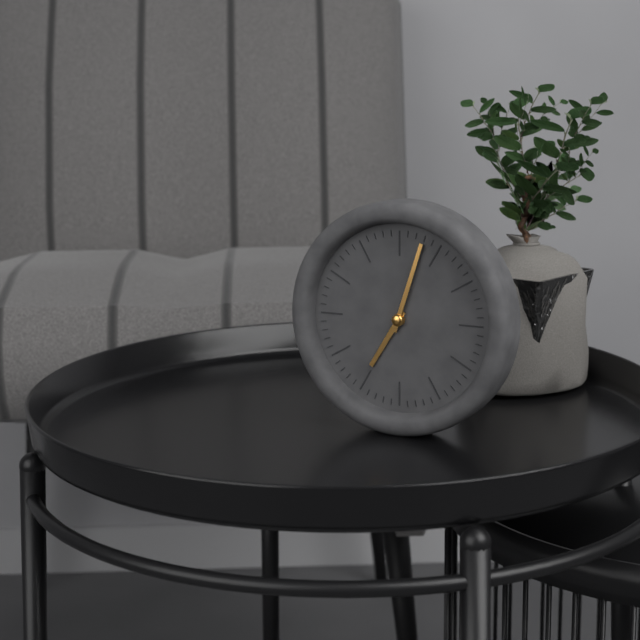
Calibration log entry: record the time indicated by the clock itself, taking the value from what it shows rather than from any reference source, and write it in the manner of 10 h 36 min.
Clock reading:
7 h 03 min
